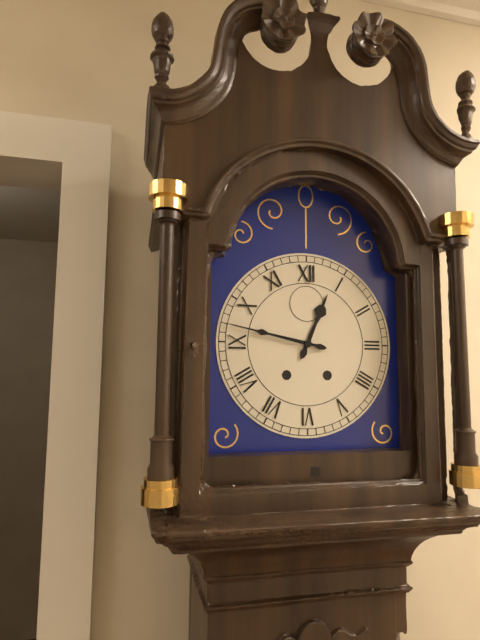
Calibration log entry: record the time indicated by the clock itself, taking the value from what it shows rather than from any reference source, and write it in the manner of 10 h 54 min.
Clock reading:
12 h 47 min
